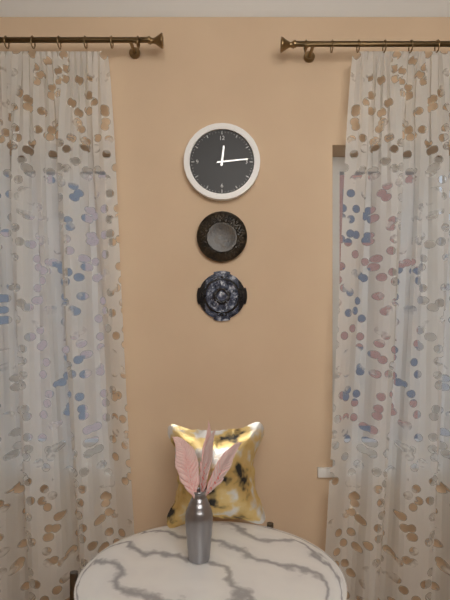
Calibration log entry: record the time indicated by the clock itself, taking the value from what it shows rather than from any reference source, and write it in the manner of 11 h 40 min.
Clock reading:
12 h 14 min
